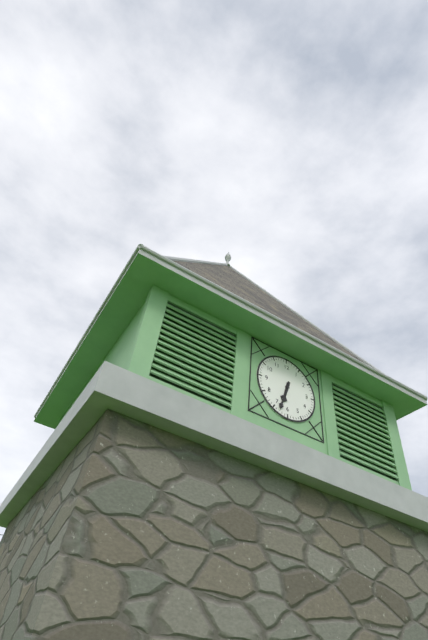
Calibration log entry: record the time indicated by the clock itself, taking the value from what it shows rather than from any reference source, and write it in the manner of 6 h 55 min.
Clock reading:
6 h 33 min
